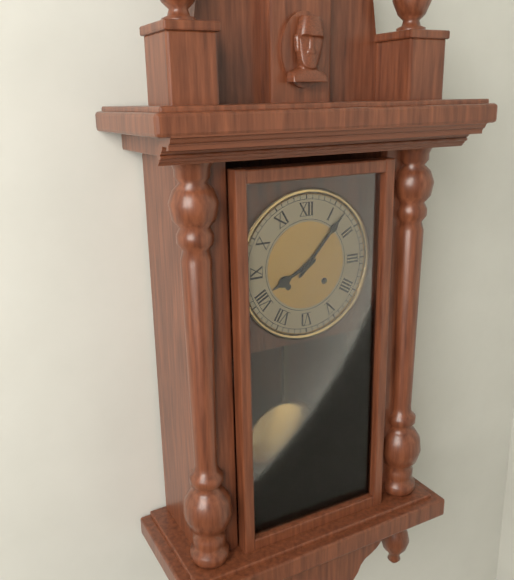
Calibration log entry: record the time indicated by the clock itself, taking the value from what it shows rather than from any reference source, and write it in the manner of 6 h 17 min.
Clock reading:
8 h 07 min
